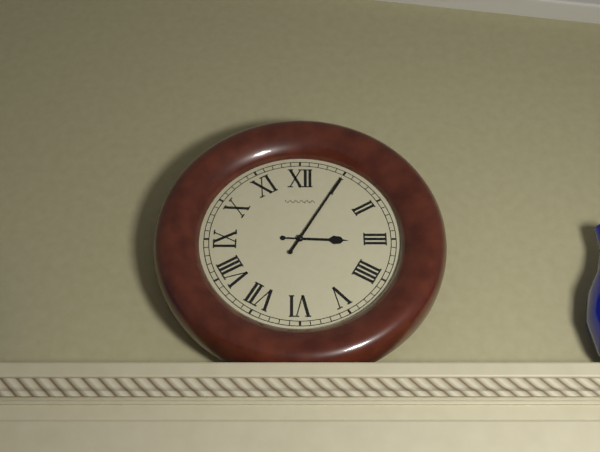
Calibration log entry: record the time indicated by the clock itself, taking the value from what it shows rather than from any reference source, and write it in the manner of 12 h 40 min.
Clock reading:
3 h 05 min
